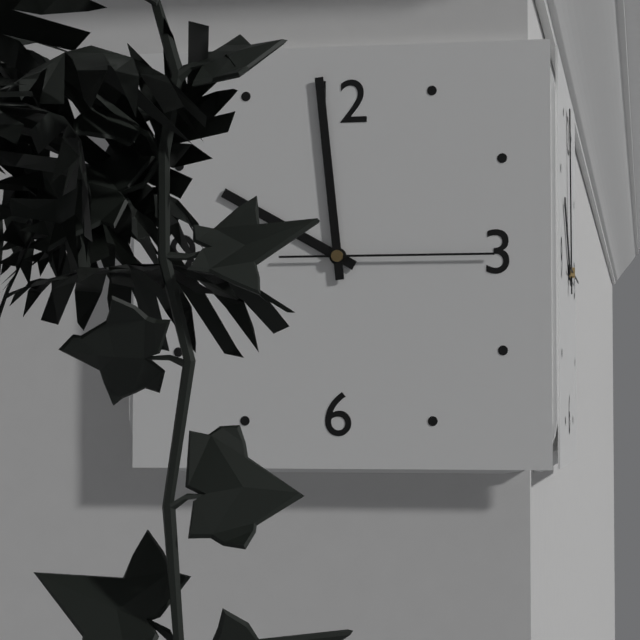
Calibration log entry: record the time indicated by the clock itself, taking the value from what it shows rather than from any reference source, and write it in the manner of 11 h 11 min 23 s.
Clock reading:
9 h 59 min 15 s
